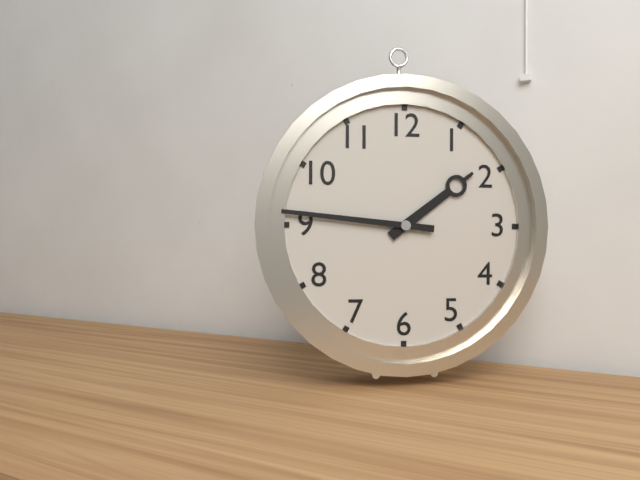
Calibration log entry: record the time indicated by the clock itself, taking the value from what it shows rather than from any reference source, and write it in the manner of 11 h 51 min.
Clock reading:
1 h 46 min
